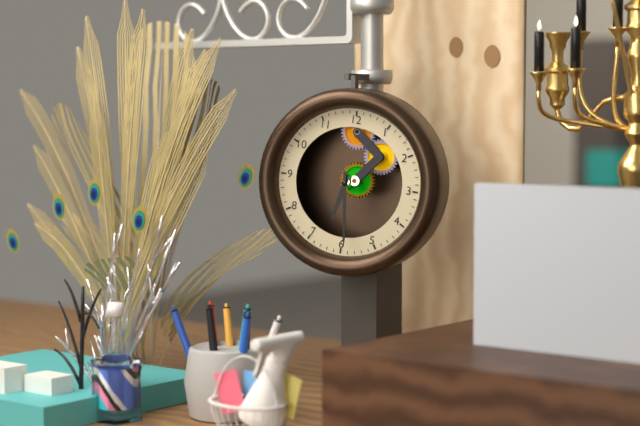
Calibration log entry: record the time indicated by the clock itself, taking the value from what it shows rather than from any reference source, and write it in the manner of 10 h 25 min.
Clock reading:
6 h 29 min
